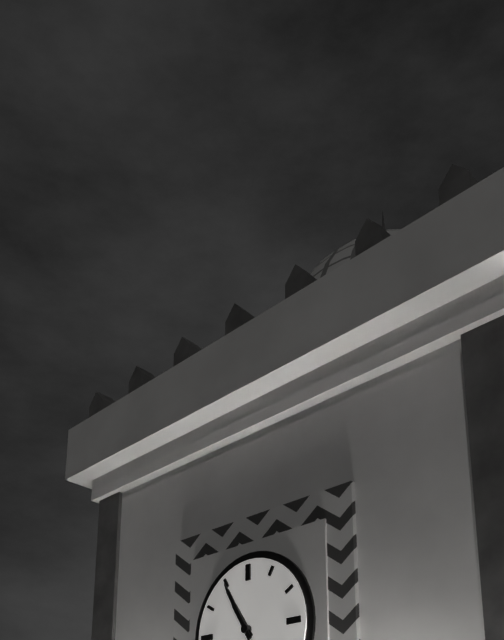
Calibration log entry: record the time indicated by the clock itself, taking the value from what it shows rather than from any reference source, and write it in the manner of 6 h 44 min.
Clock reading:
10 h 55 min
